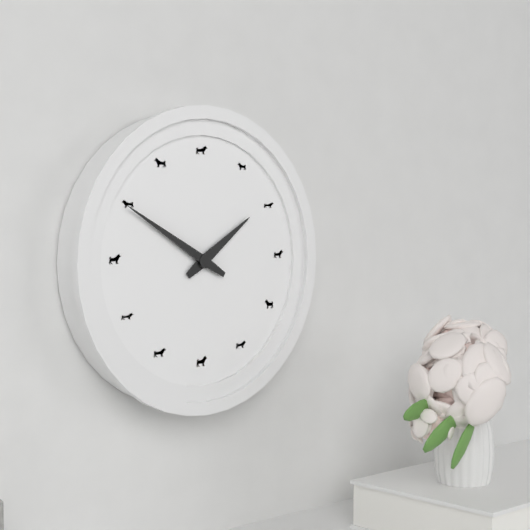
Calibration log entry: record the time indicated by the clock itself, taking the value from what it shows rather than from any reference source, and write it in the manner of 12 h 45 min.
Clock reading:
1 h 50 min
